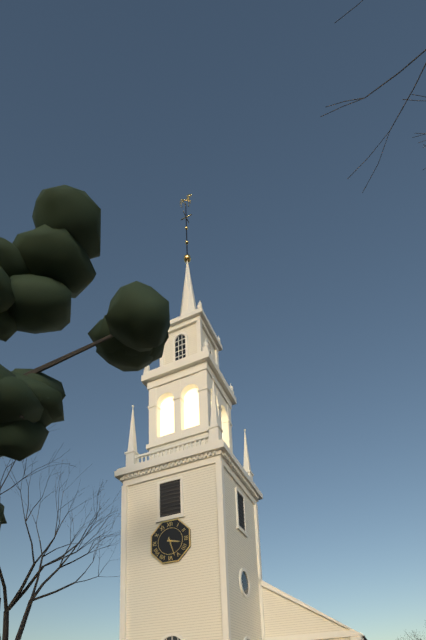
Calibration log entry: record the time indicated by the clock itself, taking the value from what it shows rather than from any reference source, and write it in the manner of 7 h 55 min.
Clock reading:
3 h 27 min
